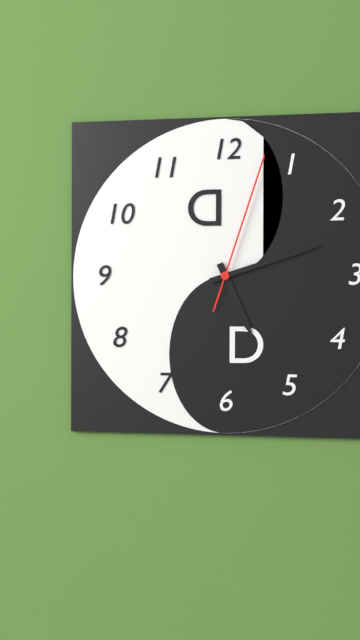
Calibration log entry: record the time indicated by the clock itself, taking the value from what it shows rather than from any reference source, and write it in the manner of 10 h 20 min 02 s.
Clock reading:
5 h 12 min 03 s
